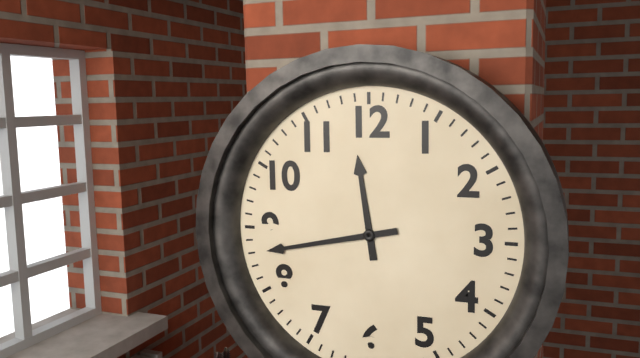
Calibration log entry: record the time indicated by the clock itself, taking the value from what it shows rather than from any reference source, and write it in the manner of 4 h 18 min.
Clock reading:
11 h 43 min
